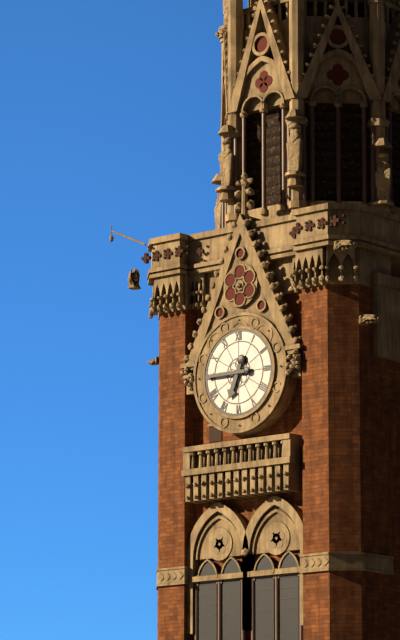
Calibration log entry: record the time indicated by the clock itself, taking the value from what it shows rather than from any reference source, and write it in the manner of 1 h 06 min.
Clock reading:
6 h 45 min
